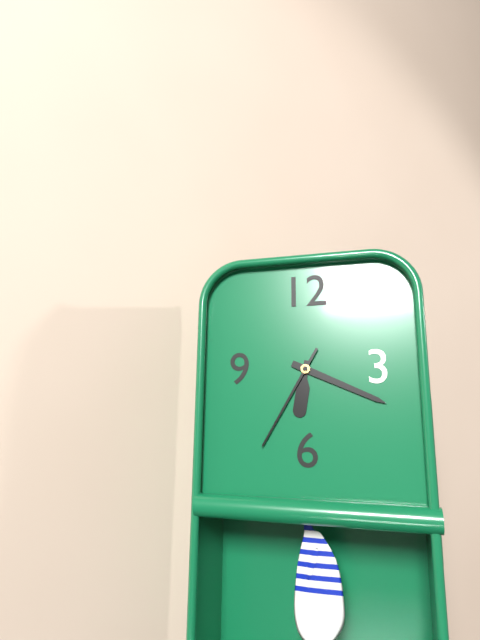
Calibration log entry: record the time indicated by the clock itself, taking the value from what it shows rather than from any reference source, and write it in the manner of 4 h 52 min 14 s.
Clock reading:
6 h 19 min 35 s
